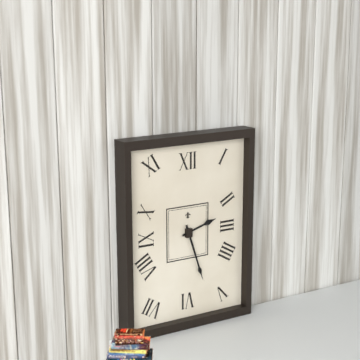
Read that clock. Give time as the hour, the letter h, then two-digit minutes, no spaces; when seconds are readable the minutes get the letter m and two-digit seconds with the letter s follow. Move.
2h27
